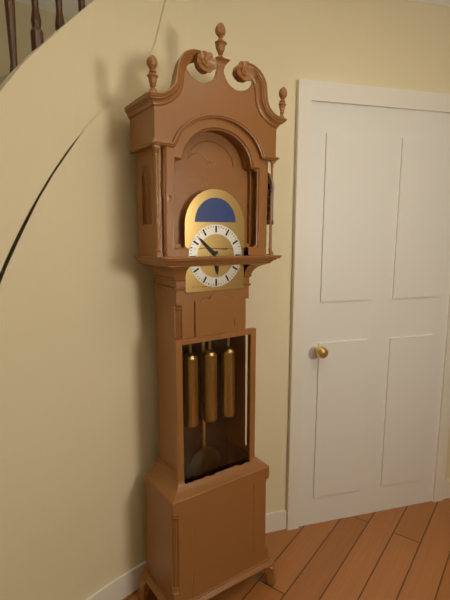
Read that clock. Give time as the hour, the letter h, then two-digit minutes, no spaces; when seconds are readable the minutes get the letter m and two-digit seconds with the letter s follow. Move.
5h52
